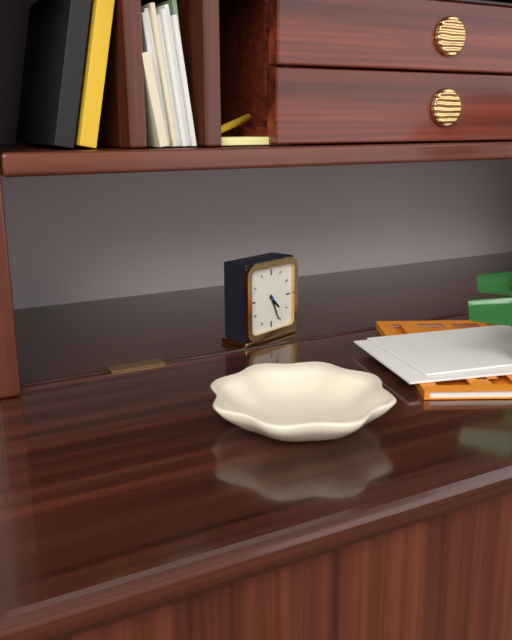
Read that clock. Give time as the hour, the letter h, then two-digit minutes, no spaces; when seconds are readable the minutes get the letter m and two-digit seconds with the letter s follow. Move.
4h26
